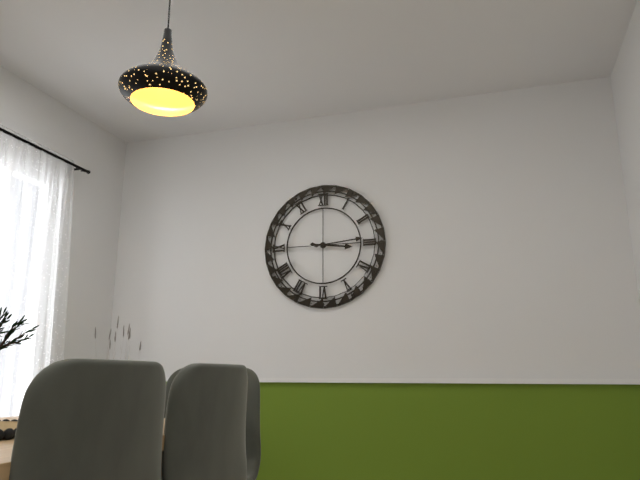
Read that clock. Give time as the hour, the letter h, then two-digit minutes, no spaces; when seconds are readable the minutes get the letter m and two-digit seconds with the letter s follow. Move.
3h14
